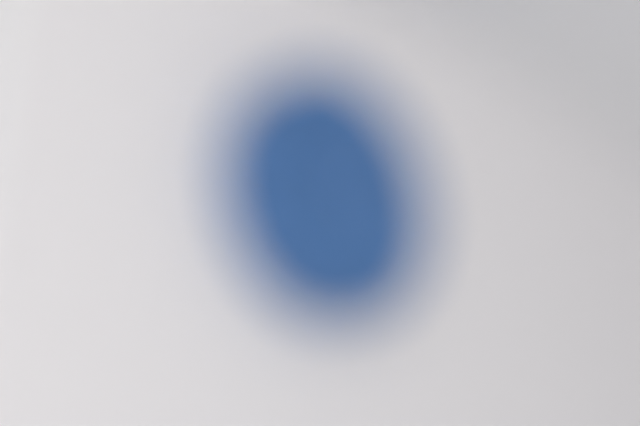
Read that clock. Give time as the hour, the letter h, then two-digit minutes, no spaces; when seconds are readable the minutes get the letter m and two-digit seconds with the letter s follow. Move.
12h46
